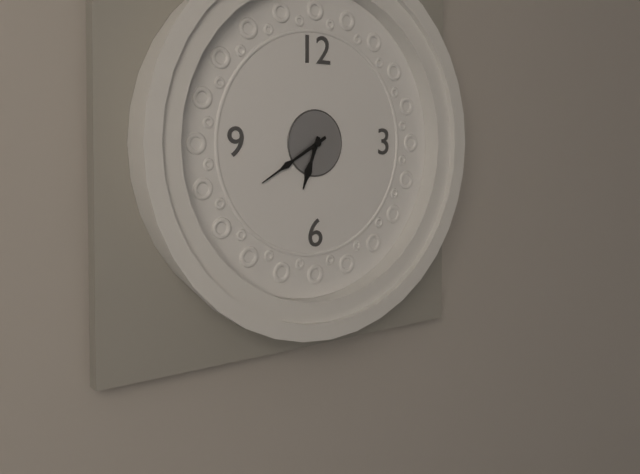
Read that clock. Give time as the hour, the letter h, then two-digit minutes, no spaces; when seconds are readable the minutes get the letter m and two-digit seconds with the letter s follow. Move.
6h40
